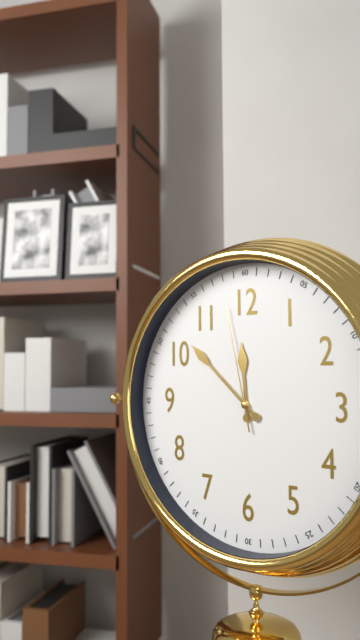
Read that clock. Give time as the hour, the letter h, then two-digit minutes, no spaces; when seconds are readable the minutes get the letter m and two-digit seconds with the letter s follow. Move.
11h52m58s
